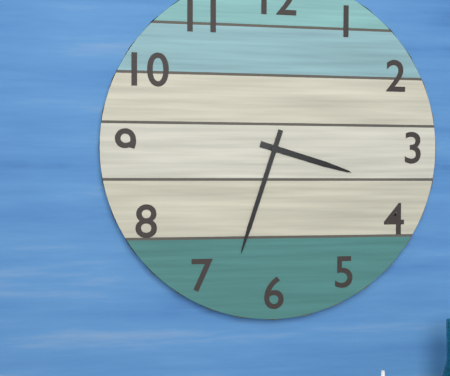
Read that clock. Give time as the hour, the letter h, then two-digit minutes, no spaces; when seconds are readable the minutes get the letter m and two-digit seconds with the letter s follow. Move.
3h33
